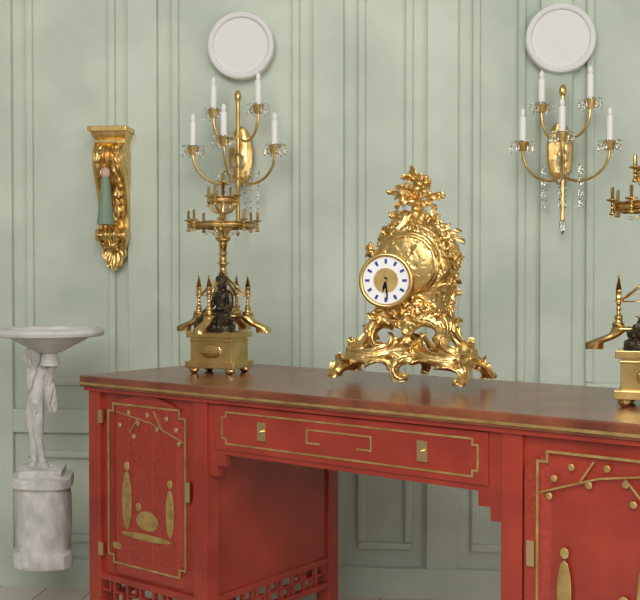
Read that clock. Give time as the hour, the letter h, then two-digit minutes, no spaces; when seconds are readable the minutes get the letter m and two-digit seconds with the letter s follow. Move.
6h29
